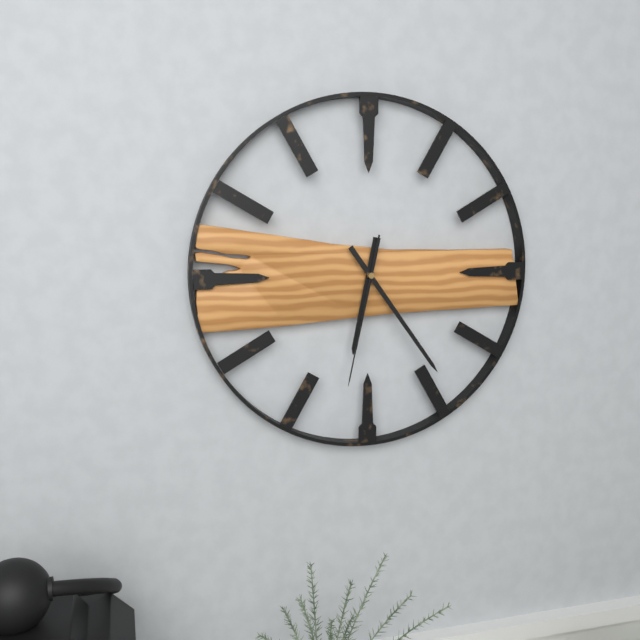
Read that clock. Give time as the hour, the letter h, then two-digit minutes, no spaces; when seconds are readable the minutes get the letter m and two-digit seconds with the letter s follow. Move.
6h24m32s
